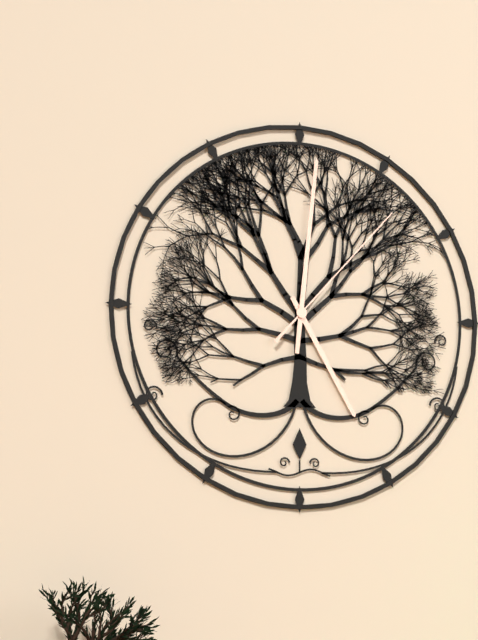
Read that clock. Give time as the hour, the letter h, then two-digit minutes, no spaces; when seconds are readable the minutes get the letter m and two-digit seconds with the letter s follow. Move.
5h01m07s
